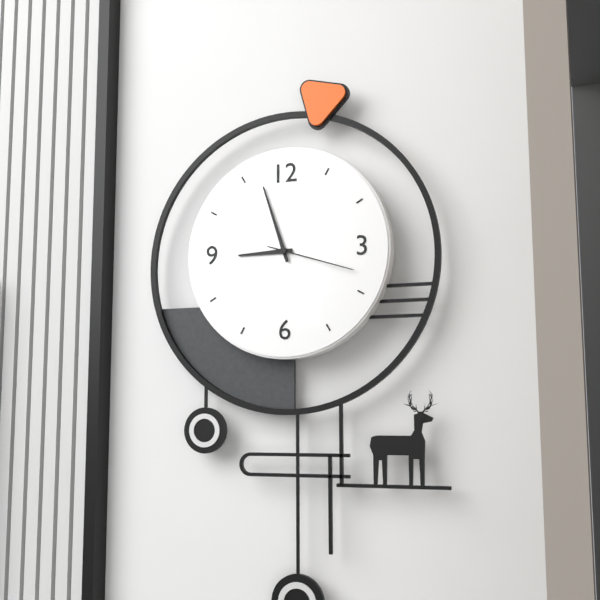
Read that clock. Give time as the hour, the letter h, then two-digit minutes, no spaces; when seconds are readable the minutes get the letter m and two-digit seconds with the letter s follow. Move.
8h57m18s
